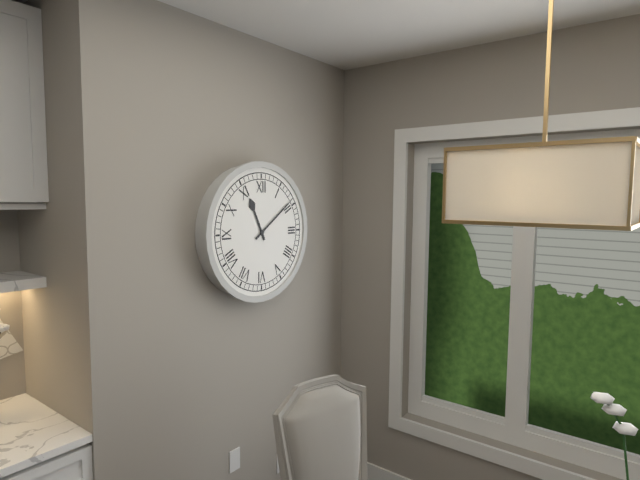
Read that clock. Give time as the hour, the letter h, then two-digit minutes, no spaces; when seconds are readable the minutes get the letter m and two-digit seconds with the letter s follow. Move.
11h09
